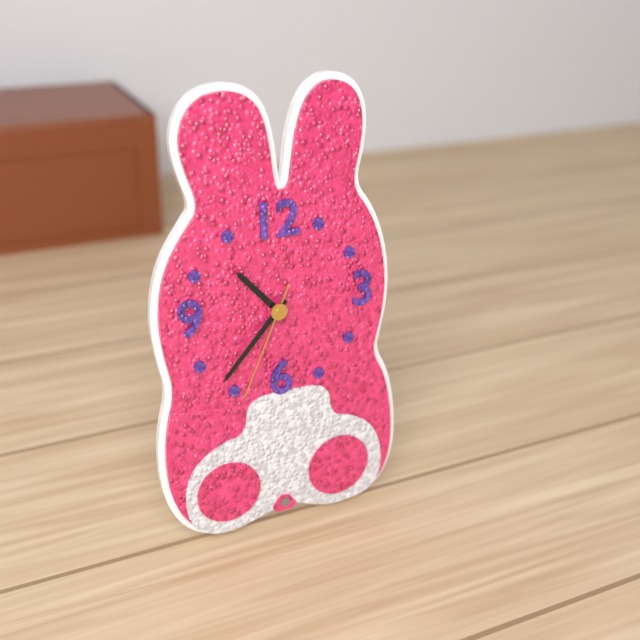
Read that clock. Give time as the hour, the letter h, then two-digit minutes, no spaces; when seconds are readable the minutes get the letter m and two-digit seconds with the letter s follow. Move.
10h37m34s
